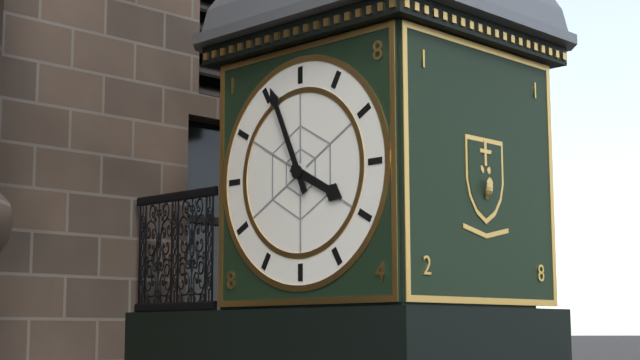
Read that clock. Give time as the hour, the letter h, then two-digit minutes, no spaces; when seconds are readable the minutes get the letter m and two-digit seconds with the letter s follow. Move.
3h56
